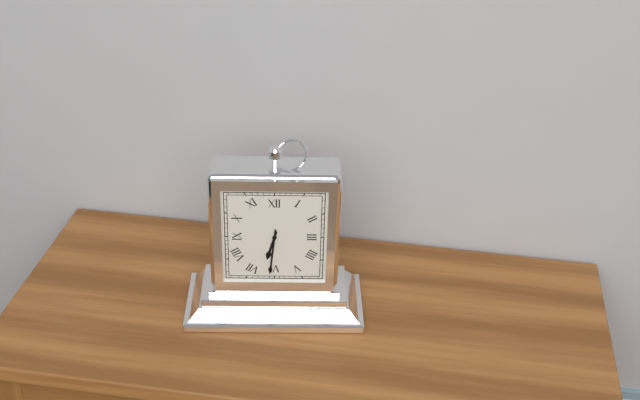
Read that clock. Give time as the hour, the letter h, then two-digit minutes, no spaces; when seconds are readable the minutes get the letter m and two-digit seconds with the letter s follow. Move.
6h31
